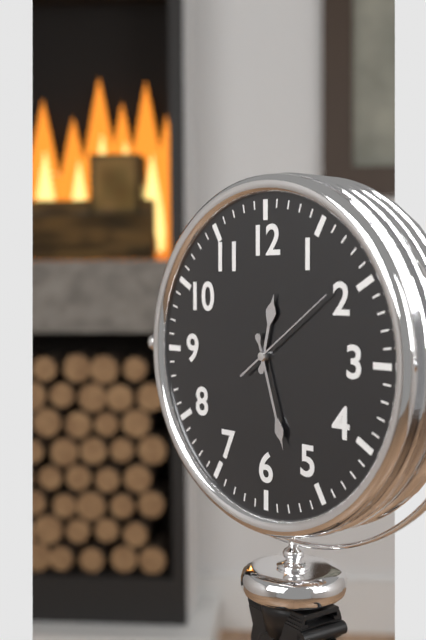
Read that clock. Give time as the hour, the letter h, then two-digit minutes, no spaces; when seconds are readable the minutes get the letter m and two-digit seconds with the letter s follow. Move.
12h27m09s
